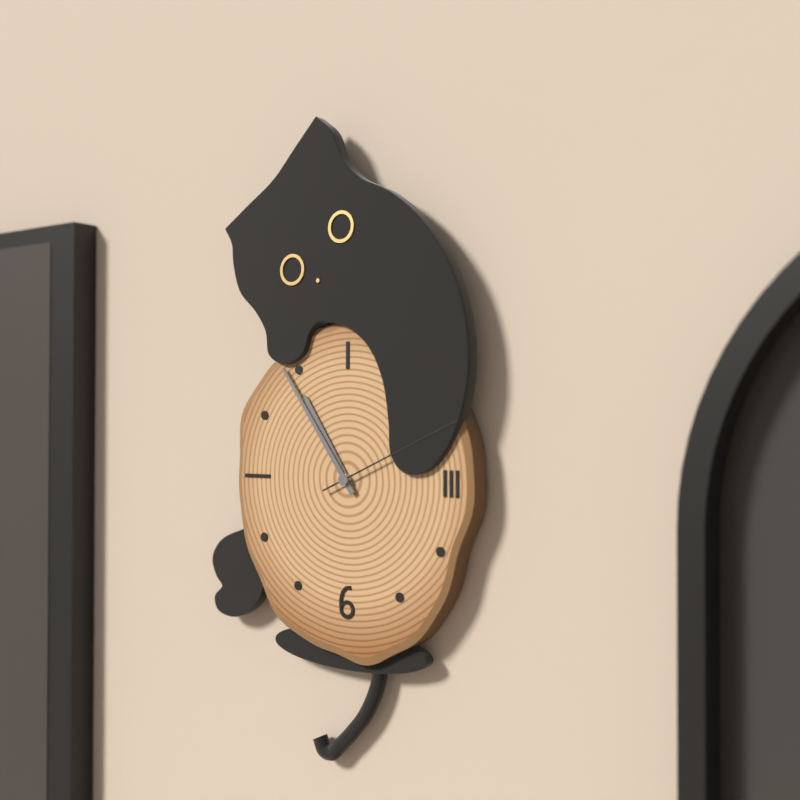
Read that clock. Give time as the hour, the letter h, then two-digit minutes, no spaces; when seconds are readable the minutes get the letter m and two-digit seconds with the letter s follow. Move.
10h54m11s
